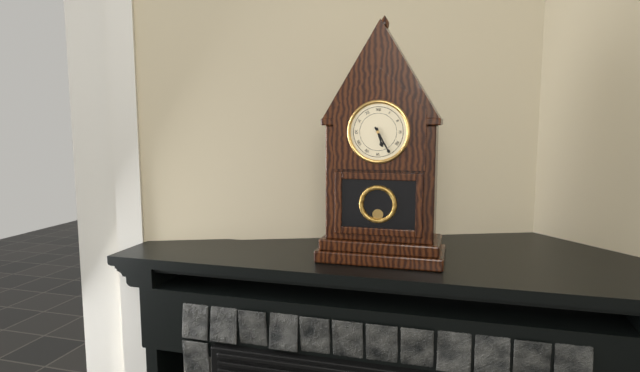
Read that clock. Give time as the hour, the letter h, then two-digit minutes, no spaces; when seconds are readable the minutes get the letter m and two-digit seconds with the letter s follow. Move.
5h25
